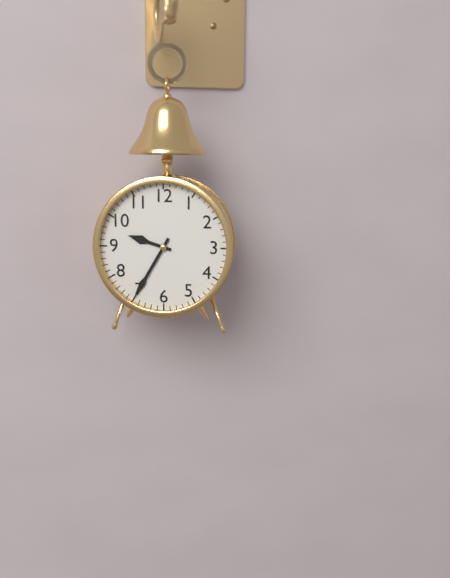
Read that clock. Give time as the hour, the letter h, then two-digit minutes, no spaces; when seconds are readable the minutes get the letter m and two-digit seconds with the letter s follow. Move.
9h35
